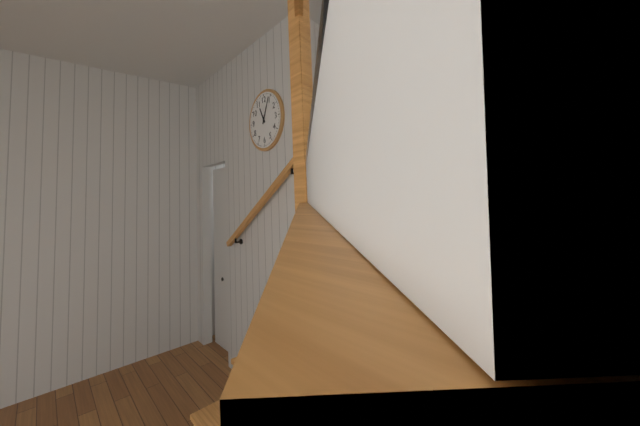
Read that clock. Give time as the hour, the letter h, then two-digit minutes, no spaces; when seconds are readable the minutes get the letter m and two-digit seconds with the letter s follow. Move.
11h04
